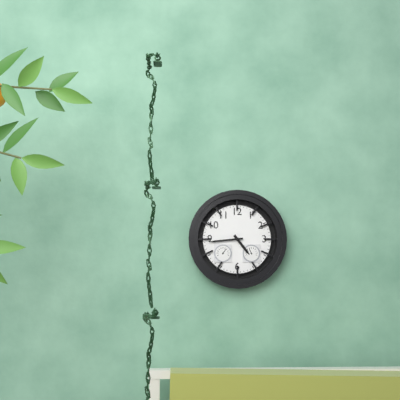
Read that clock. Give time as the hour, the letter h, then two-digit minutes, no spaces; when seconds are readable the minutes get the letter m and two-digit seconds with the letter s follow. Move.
4h44
